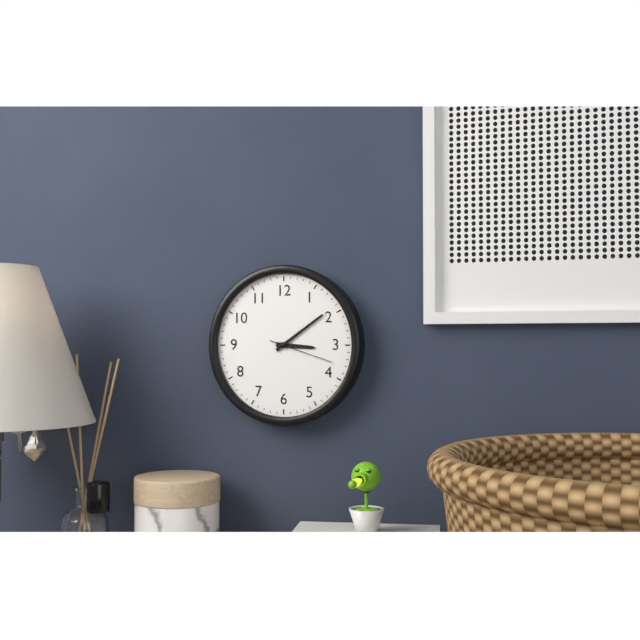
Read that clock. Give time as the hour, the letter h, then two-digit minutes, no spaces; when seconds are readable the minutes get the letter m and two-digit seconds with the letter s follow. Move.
3h09m18s
